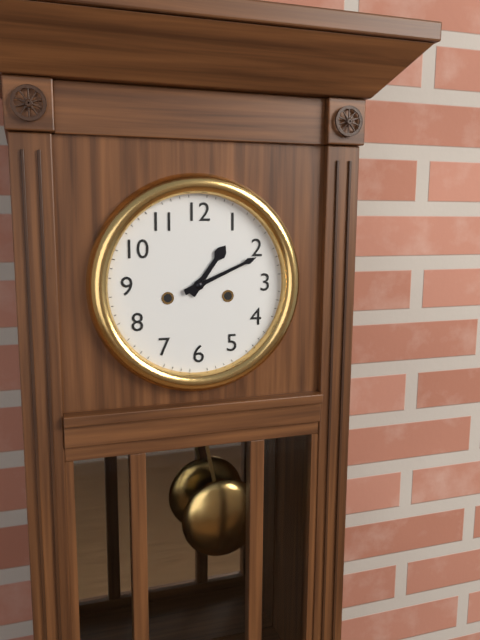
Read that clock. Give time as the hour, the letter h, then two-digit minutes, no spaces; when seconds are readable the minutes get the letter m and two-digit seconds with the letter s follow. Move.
1h11
